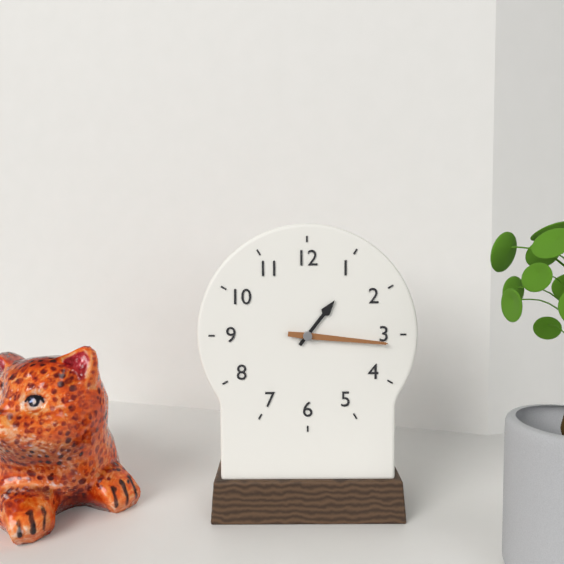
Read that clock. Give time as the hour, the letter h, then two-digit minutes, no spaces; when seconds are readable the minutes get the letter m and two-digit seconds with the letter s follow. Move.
1h16
